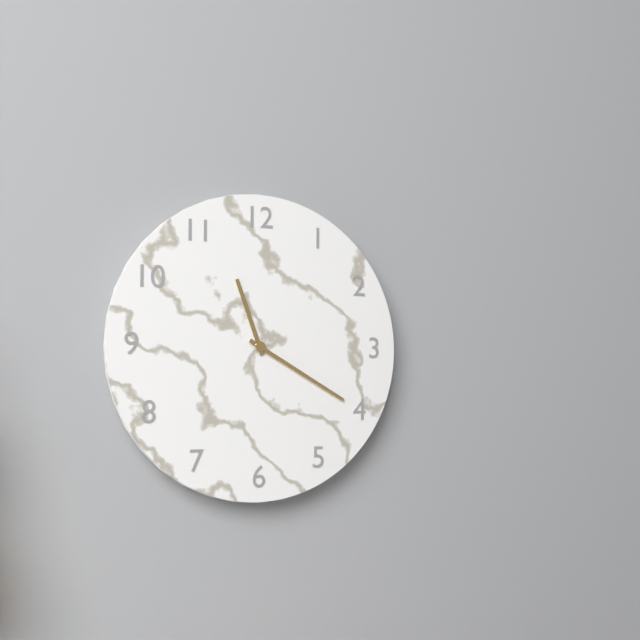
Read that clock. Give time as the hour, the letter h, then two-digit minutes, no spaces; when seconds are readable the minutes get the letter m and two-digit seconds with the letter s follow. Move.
11h20
